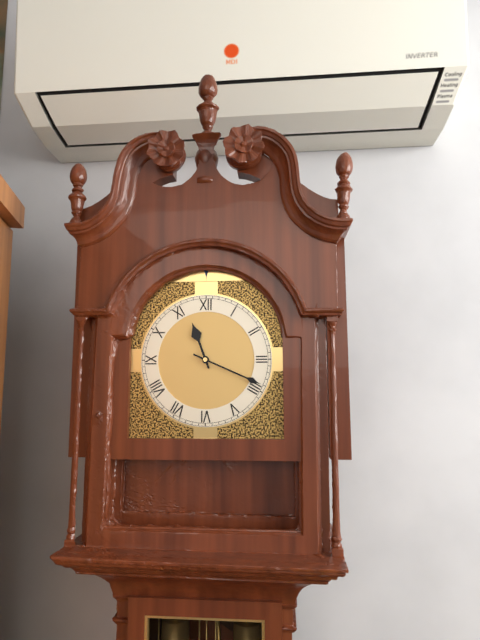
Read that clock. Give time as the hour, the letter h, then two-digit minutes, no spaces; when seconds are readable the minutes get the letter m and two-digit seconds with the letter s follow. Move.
11h19
